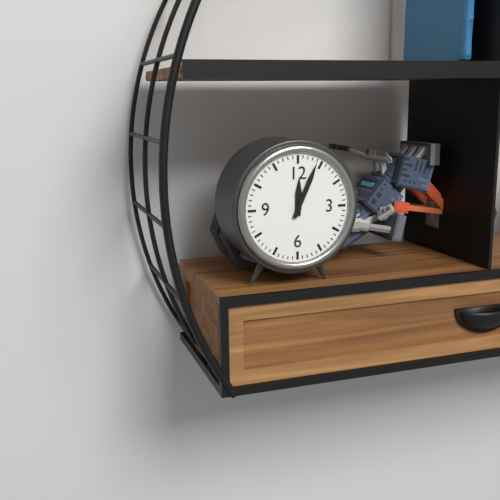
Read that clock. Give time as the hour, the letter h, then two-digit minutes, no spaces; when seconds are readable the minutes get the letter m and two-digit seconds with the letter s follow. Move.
12h04
